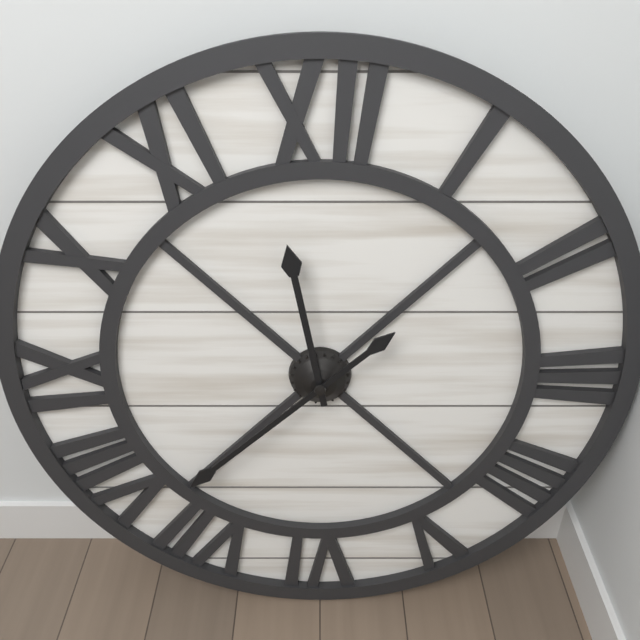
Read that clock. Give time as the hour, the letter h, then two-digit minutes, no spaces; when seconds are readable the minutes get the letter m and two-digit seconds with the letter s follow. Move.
11h38
